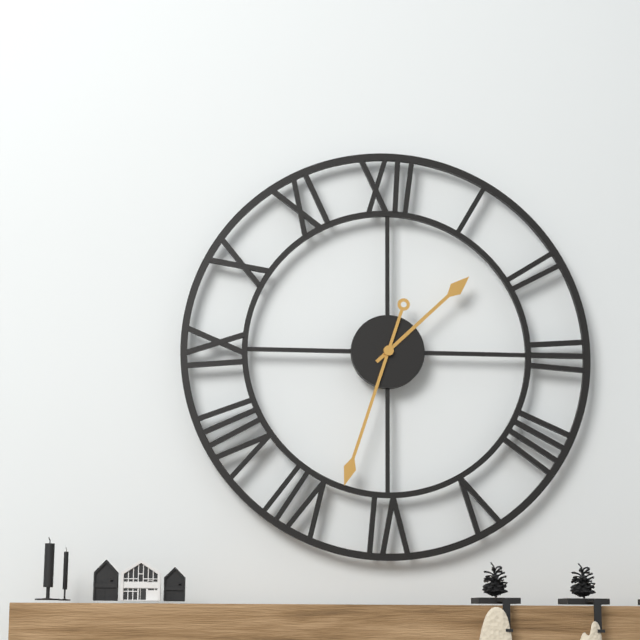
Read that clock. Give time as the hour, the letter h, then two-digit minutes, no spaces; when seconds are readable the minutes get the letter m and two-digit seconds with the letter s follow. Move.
1h33
